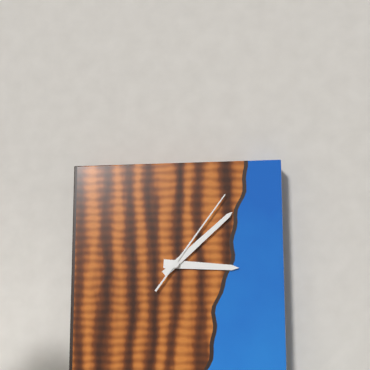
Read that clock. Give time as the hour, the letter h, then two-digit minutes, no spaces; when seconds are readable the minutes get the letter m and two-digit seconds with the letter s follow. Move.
3h08m06s
